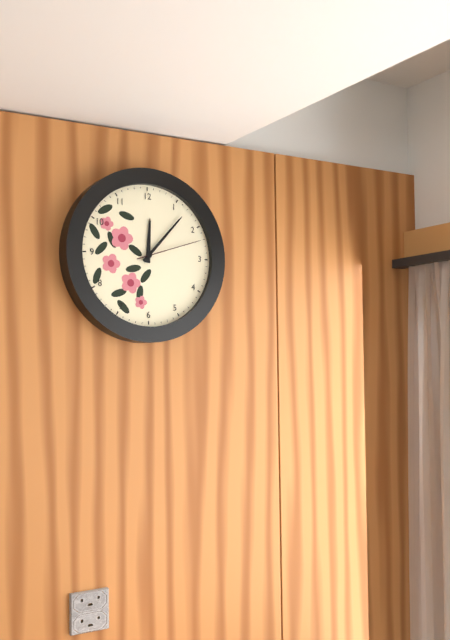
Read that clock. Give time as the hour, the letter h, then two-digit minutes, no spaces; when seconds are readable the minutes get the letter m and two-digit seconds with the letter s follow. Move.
12h07m12s
